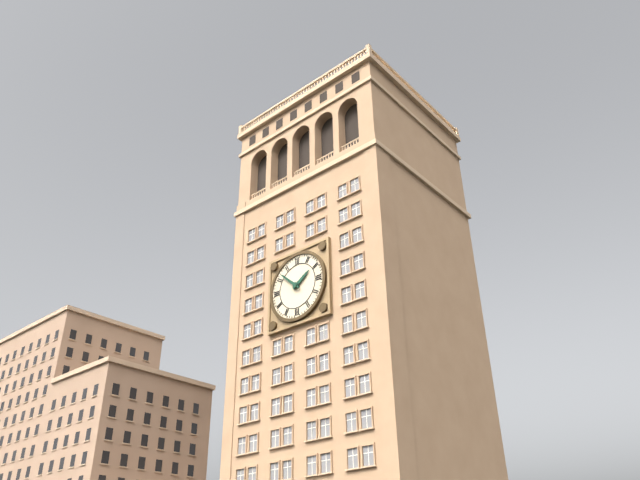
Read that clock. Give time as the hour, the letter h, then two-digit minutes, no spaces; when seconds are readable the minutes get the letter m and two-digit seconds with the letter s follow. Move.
1h52
